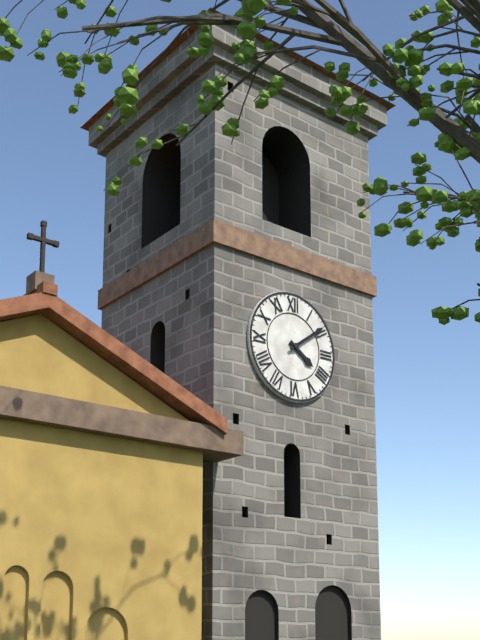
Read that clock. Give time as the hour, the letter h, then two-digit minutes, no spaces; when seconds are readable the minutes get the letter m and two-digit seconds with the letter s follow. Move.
4h09
